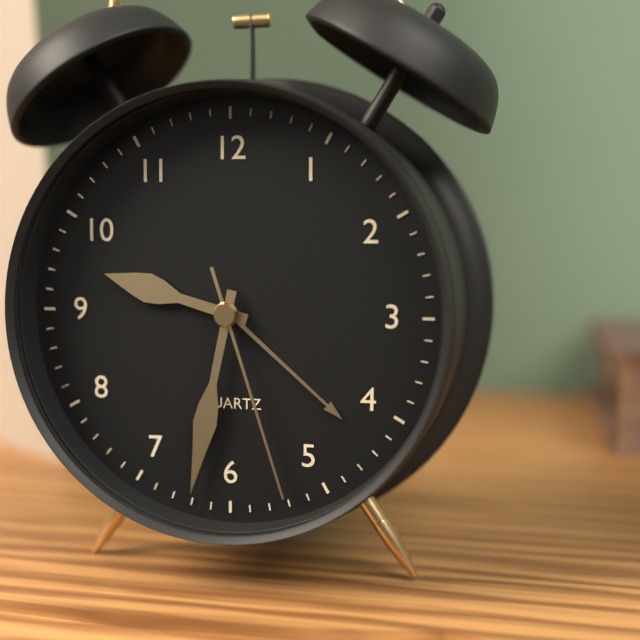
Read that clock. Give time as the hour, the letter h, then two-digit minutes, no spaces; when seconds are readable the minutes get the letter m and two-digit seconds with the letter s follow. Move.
9h32m27s
